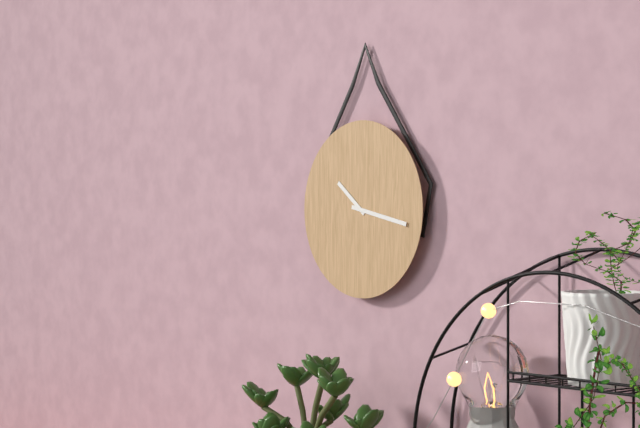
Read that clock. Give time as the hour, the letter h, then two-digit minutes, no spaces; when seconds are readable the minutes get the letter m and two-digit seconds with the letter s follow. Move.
10h17
